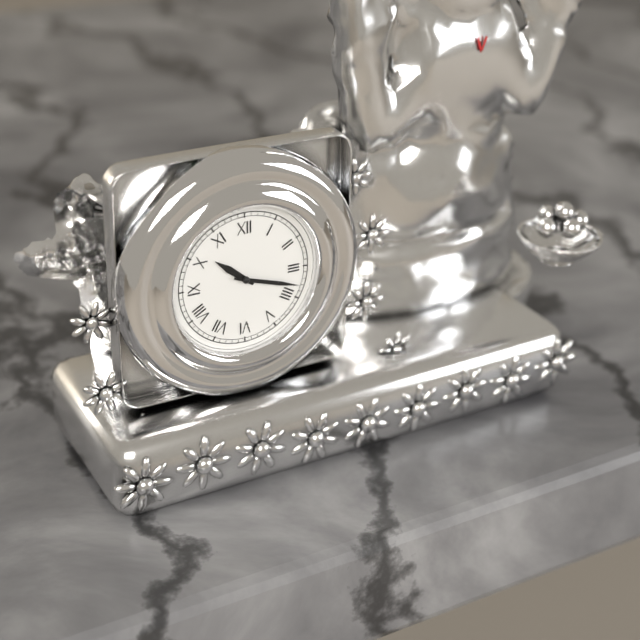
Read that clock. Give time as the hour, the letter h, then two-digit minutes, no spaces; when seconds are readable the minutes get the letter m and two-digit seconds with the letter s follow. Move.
10h18
